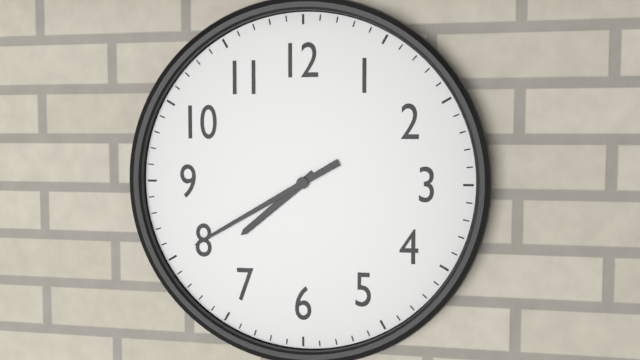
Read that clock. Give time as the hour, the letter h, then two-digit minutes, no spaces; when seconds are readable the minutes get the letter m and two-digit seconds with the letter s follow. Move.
7h40
